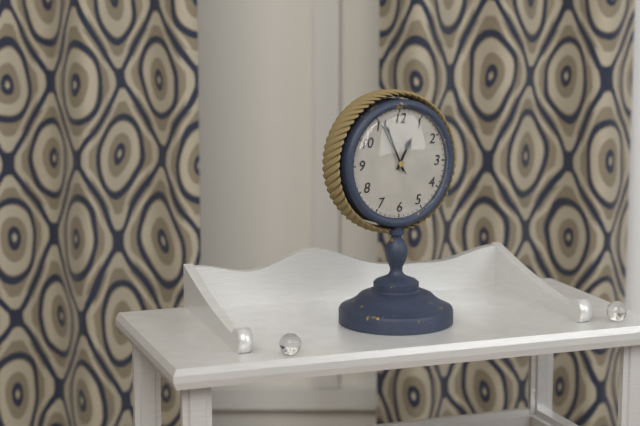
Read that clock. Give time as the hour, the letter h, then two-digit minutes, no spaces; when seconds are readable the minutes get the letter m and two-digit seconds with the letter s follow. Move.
12h56m55s
